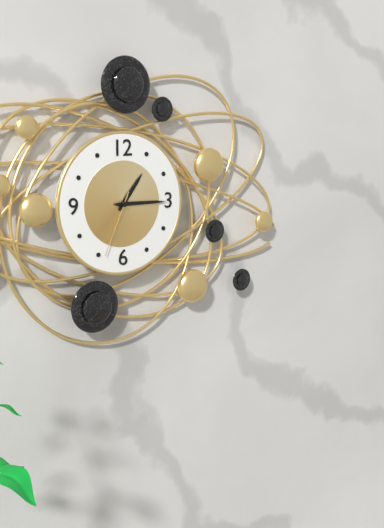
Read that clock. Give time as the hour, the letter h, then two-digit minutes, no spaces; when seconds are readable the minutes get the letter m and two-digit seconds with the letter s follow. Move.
1h15m34s
